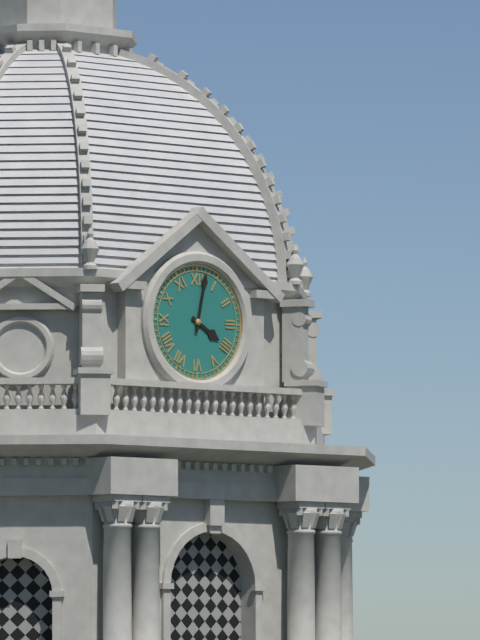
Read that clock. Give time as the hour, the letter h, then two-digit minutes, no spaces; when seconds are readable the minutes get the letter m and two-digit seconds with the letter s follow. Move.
4h02
